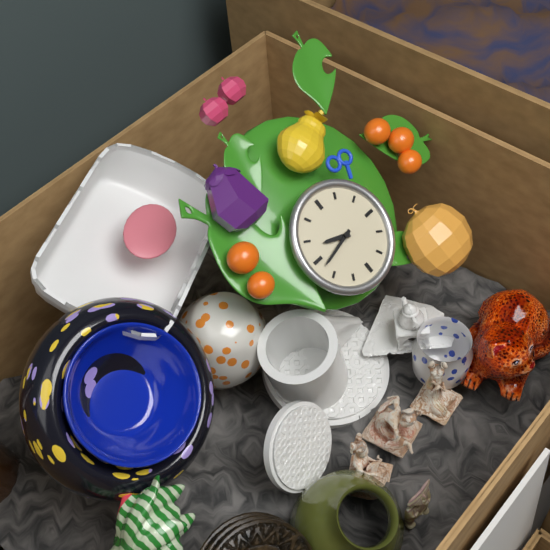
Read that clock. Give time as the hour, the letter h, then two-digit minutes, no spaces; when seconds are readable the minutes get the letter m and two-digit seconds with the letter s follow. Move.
9h43
